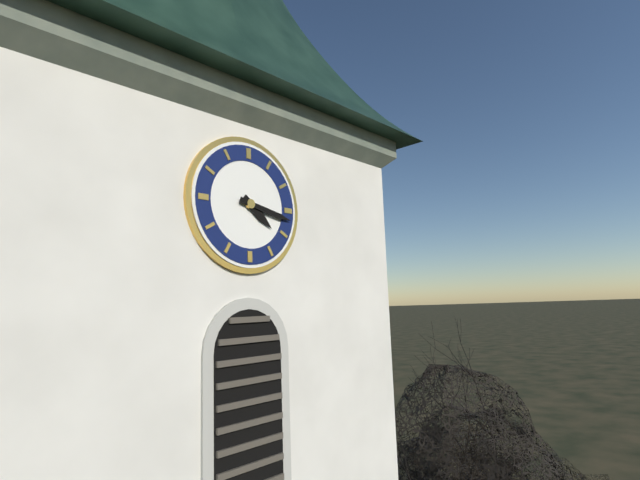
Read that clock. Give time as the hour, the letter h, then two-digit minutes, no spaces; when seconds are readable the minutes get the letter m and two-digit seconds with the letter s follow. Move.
4h17
